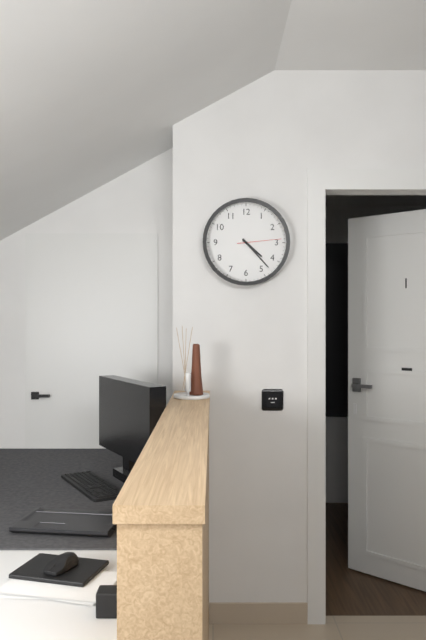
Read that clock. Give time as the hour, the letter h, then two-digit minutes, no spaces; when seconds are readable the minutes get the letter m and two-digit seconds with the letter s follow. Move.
4h23
